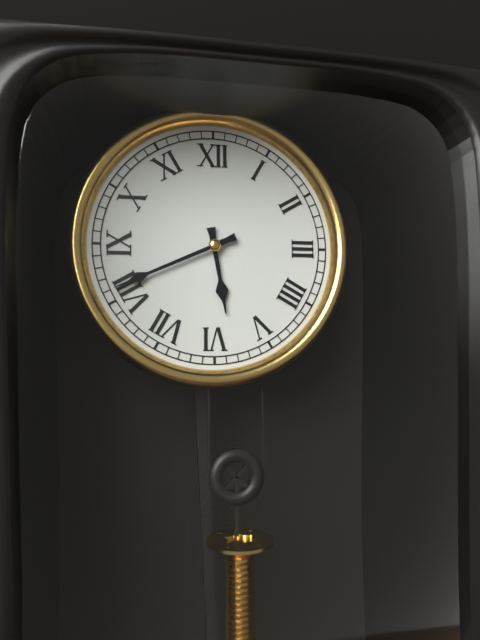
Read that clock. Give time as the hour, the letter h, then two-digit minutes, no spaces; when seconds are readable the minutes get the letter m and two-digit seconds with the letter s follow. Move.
5h41
